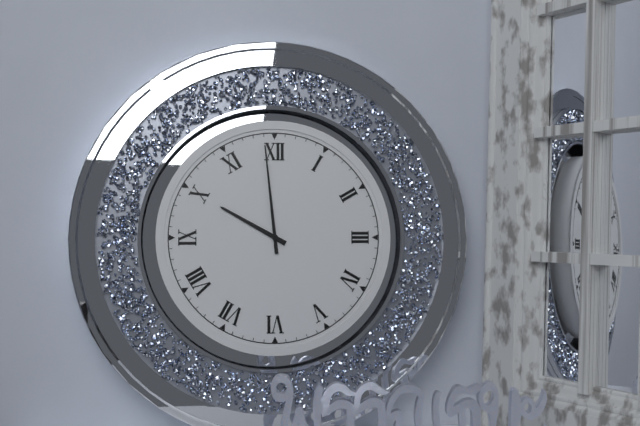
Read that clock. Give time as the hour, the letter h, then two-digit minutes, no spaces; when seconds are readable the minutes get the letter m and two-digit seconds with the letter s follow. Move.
9h59
